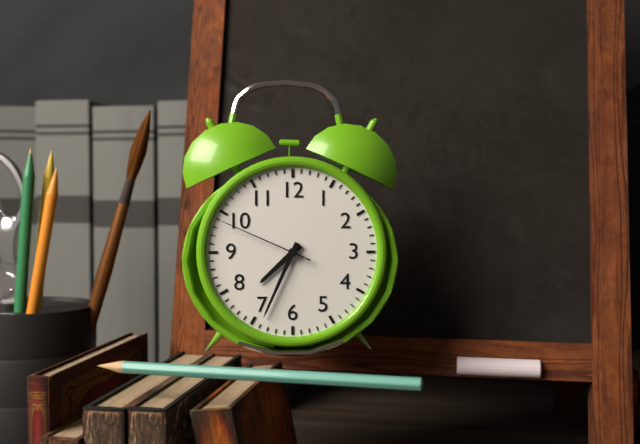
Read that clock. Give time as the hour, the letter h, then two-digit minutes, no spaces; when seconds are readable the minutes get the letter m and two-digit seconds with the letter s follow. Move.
7h34m49s
